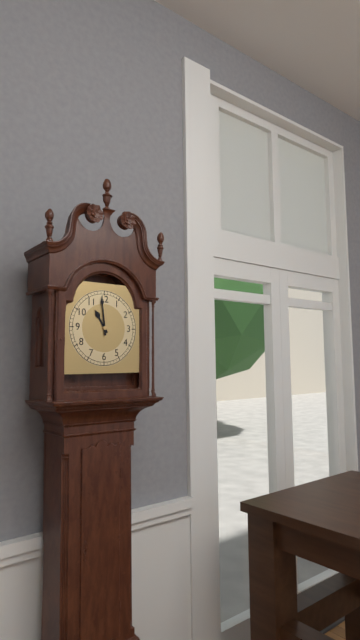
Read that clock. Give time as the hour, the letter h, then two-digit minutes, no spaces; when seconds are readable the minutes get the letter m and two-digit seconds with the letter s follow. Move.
10h59
